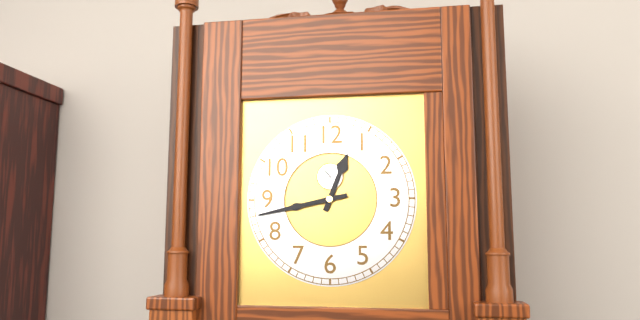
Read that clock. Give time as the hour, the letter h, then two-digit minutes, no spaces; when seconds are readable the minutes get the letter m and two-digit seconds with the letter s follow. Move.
12h43
